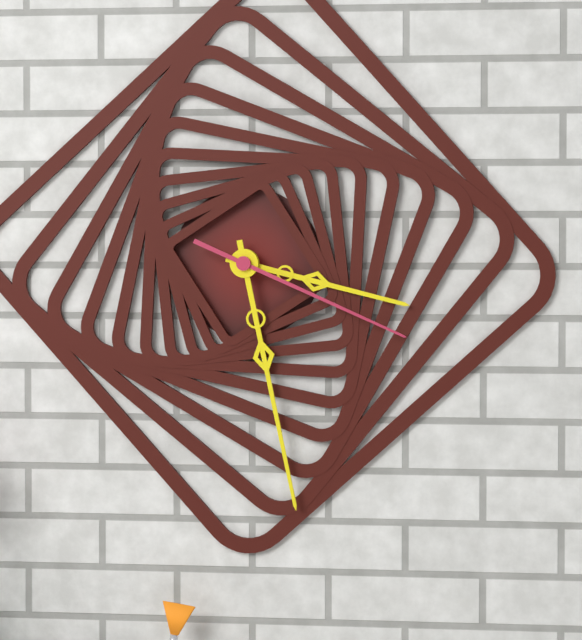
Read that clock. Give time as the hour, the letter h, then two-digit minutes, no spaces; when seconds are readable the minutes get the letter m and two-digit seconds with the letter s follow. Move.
3h28m19s
